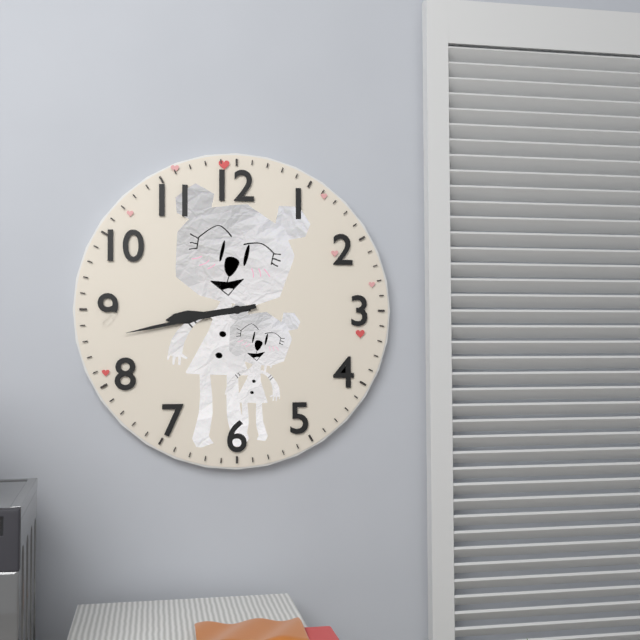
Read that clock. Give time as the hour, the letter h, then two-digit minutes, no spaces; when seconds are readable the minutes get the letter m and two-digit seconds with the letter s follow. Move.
8h43
